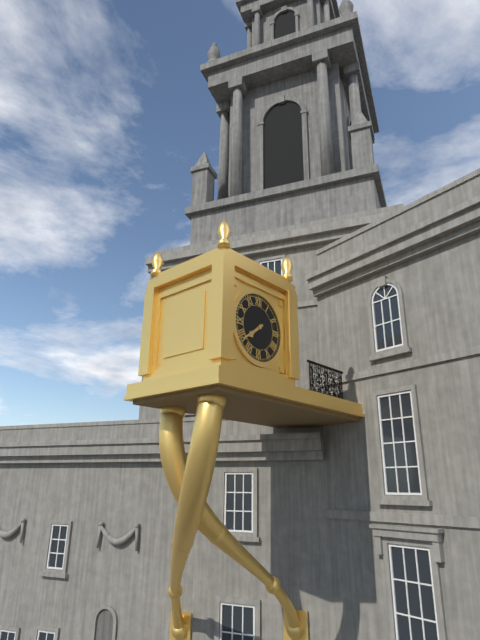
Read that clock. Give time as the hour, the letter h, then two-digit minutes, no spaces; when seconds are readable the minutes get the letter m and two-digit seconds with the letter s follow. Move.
7h39
